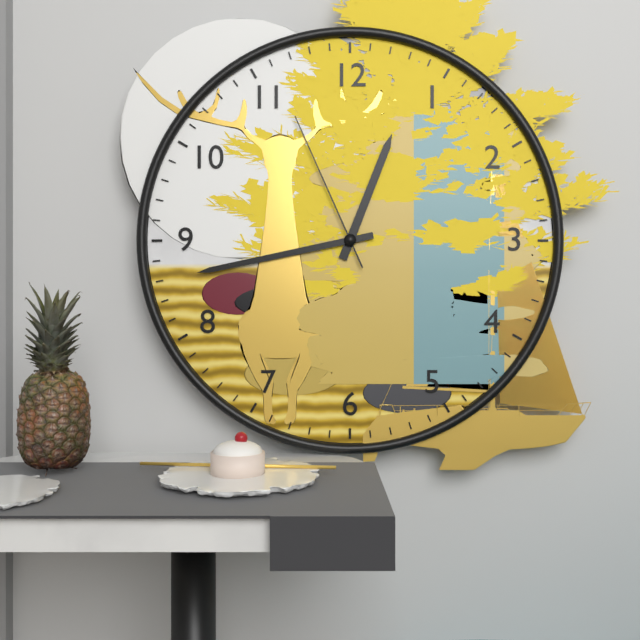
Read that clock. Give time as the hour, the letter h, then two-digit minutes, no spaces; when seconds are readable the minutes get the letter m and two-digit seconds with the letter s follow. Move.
12h43m56s
